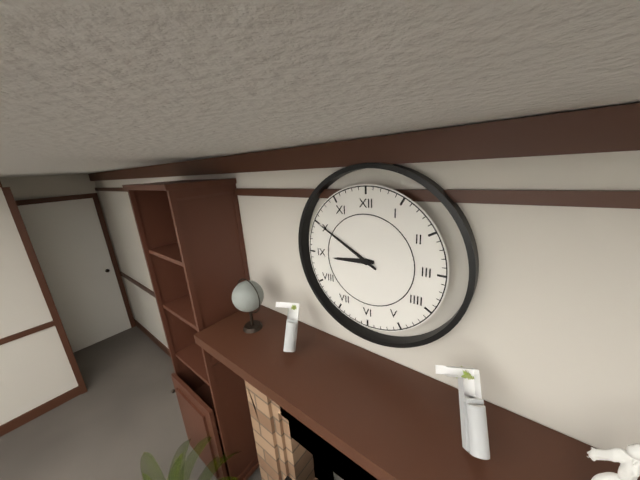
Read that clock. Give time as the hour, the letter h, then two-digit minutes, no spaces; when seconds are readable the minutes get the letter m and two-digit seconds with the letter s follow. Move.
8h50
